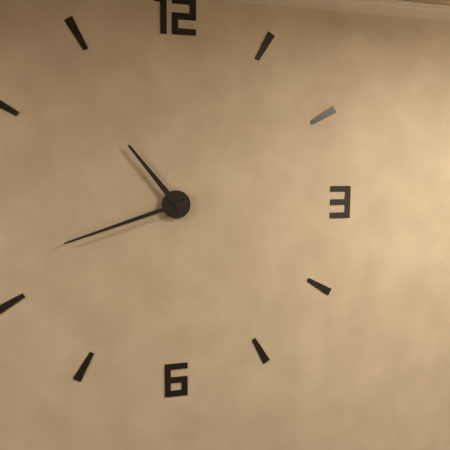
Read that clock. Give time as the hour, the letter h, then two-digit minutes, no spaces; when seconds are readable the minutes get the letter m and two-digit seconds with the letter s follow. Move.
10h42
